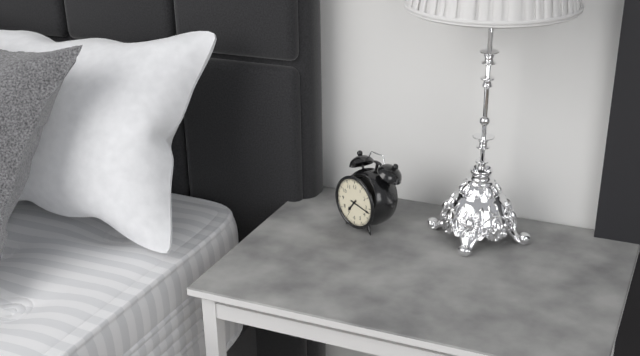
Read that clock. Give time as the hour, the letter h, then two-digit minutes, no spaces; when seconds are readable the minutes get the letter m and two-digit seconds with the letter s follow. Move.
7h17
